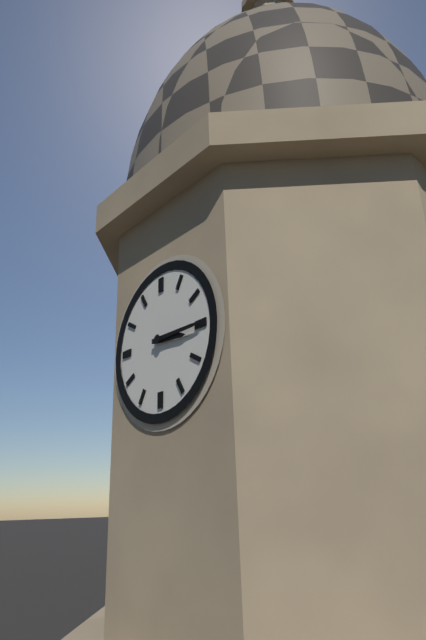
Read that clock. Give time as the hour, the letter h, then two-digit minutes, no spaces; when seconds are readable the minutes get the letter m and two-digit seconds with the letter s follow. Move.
3h15
